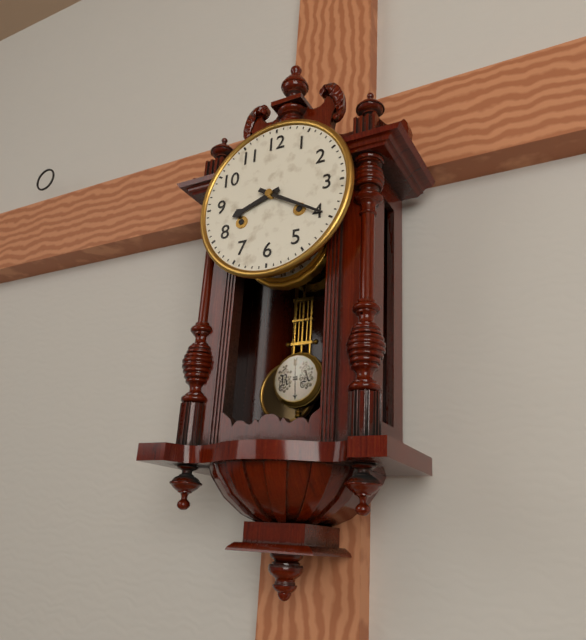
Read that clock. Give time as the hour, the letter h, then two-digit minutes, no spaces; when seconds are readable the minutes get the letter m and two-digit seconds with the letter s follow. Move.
8h20
